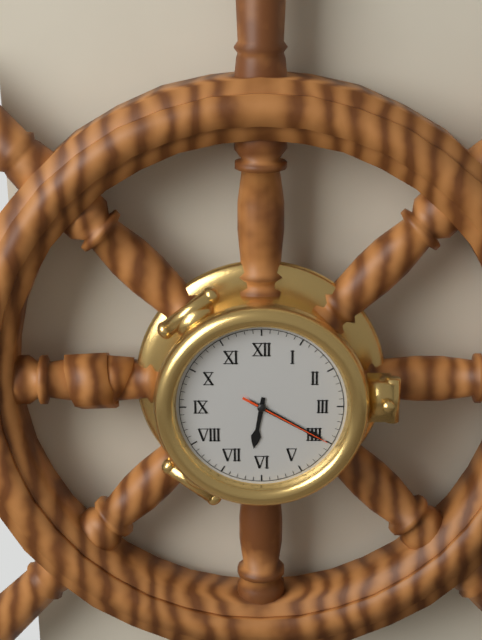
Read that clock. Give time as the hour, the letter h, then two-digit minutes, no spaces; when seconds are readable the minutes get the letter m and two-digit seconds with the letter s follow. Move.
6h20m20s
